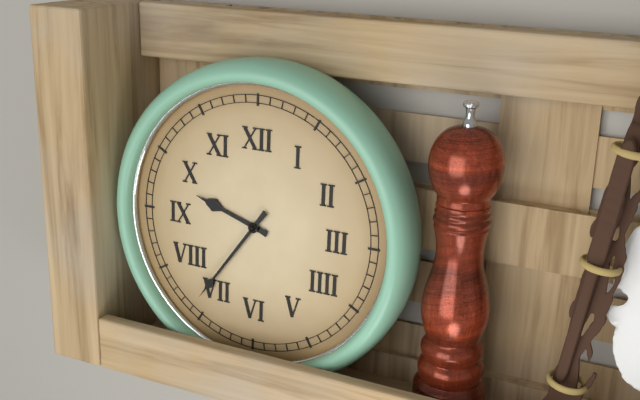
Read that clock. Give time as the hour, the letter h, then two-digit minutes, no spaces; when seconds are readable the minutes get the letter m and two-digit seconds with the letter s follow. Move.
9h36
